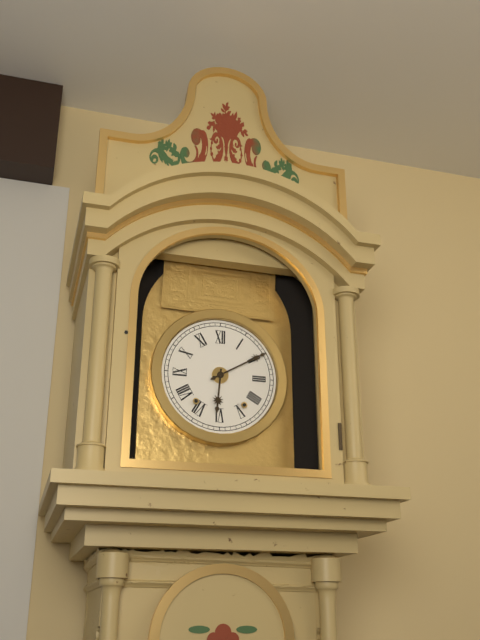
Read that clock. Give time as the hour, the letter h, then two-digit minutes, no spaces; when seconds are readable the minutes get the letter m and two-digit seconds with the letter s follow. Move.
6h10
